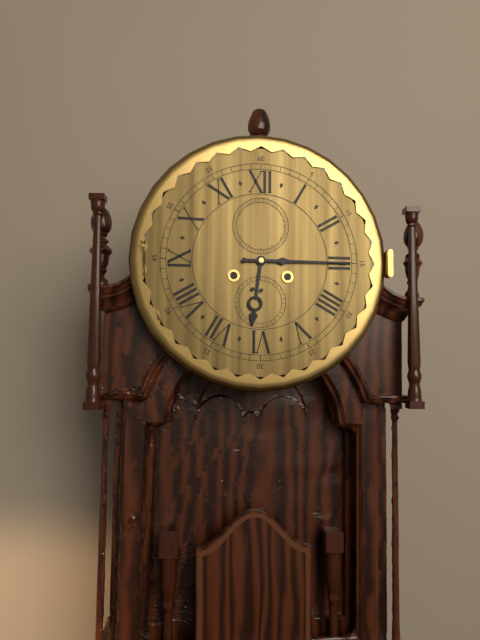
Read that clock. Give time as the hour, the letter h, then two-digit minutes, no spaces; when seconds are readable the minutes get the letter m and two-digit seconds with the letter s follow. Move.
6h15
